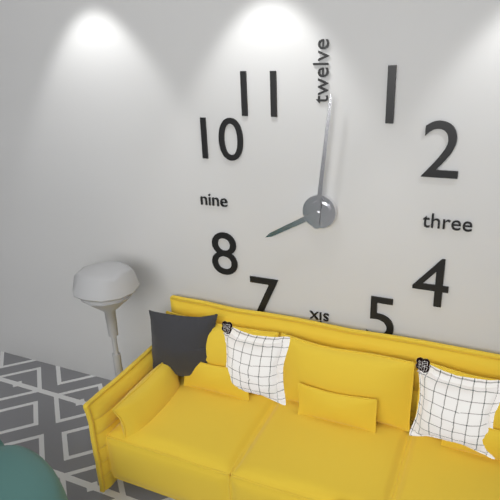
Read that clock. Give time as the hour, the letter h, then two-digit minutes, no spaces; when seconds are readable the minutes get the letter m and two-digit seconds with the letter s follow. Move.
8h01
